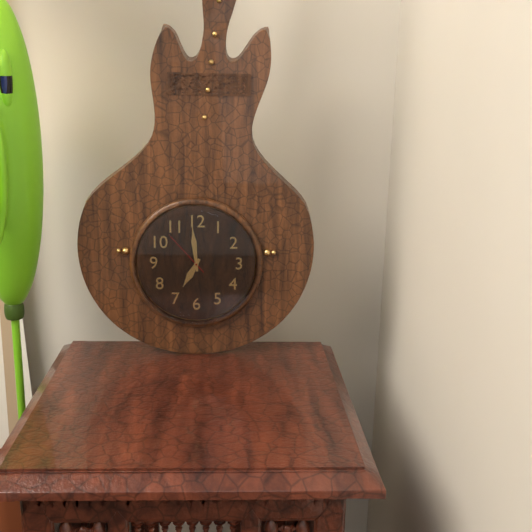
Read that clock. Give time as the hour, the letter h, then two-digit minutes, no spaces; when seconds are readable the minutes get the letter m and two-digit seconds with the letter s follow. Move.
6h59m53s
